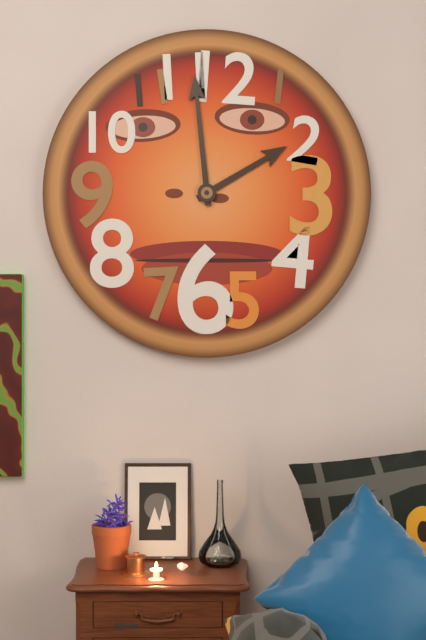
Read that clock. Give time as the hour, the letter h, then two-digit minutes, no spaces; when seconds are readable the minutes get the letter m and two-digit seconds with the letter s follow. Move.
1h59
